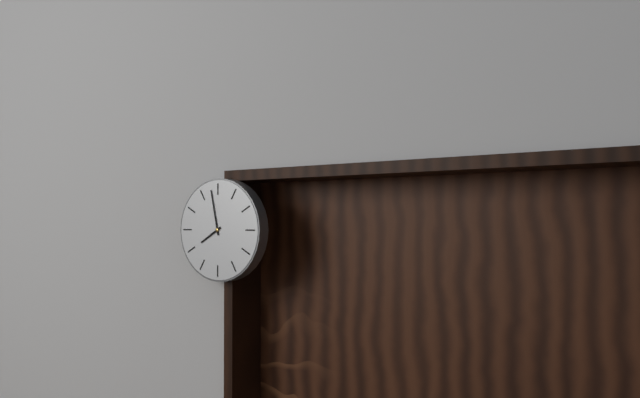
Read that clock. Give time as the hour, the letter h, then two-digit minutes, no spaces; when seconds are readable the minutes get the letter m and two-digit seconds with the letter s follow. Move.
7h58
